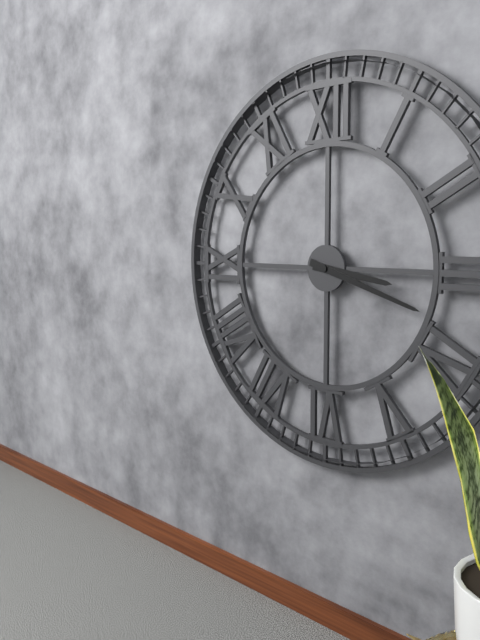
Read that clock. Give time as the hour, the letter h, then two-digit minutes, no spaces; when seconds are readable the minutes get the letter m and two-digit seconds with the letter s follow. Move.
3h18
